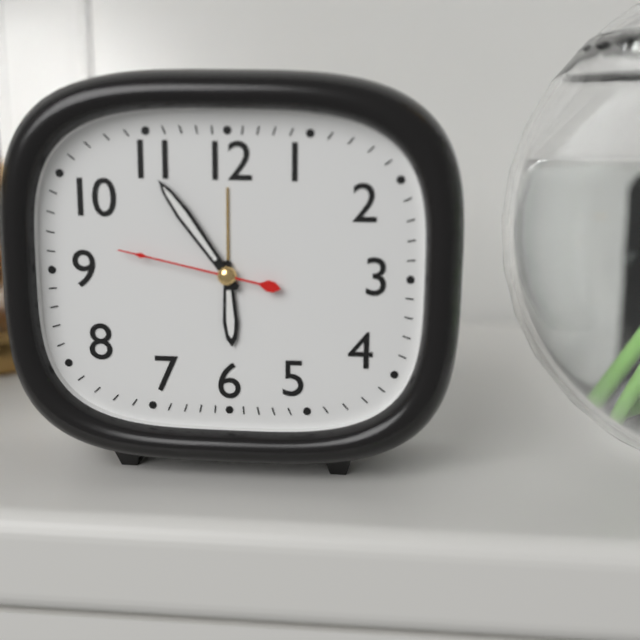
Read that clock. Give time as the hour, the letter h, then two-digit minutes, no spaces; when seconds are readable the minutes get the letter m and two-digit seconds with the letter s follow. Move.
5h54m47s
